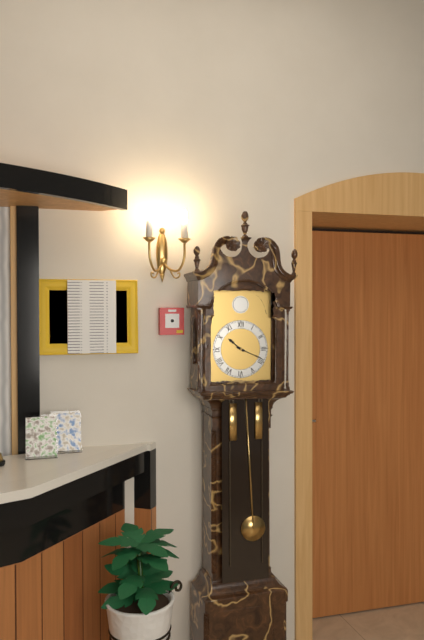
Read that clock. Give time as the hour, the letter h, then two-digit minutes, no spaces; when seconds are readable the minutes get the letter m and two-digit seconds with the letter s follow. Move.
10h19
